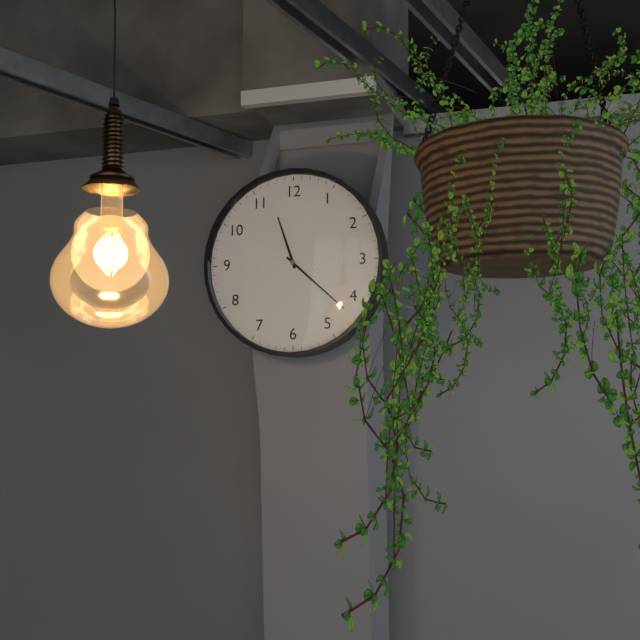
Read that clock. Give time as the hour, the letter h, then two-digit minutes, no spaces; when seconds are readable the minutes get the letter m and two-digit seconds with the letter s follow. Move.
11h22
